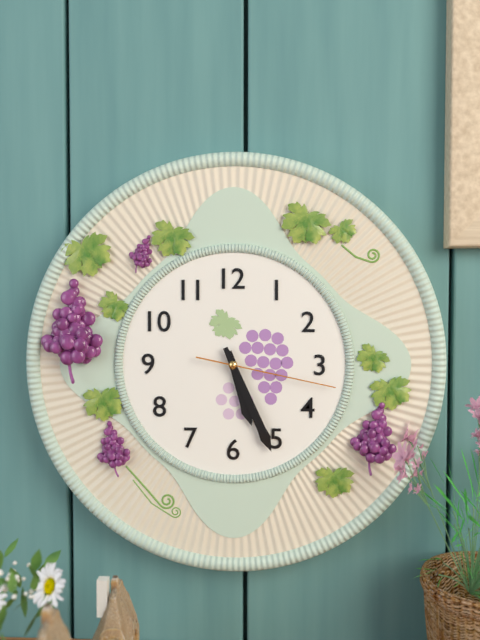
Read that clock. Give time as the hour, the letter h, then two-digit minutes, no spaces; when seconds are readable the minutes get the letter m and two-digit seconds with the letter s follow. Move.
5h26m17s
